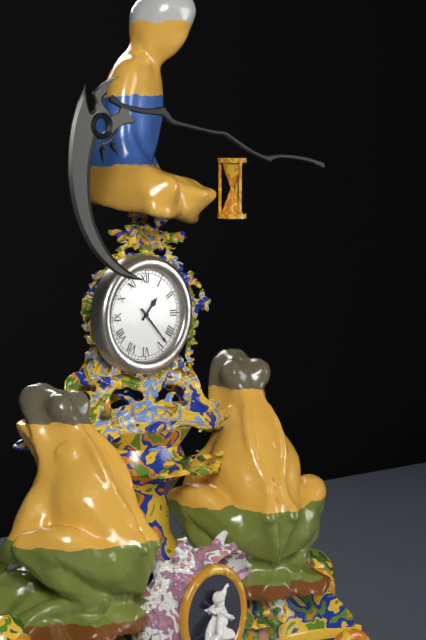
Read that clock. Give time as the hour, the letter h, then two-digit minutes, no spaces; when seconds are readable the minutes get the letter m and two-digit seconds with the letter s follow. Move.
1h23
